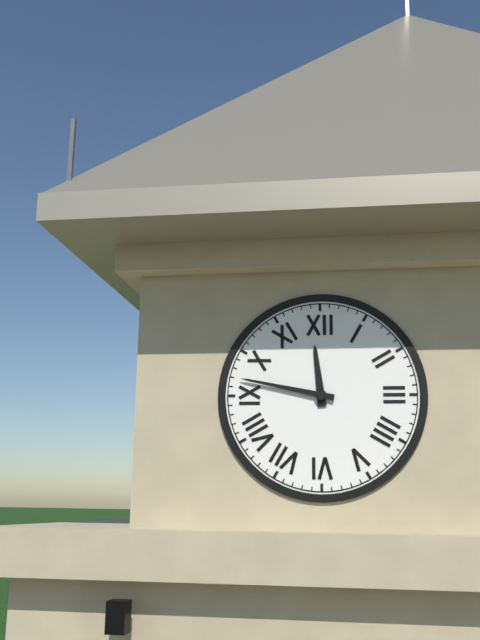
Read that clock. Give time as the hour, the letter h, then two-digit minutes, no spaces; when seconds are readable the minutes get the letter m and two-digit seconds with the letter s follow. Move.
11h47
